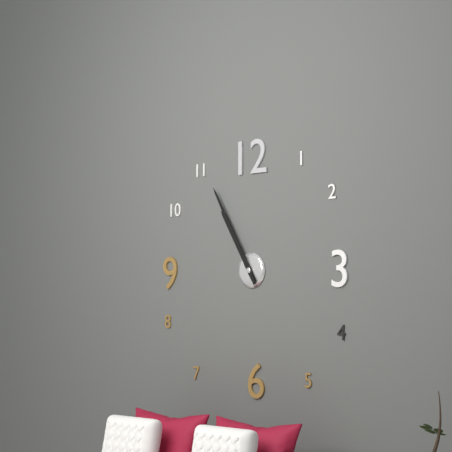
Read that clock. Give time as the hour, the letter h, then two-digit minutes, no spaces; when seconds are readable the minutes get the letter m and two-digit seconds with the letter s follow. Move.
10h55
